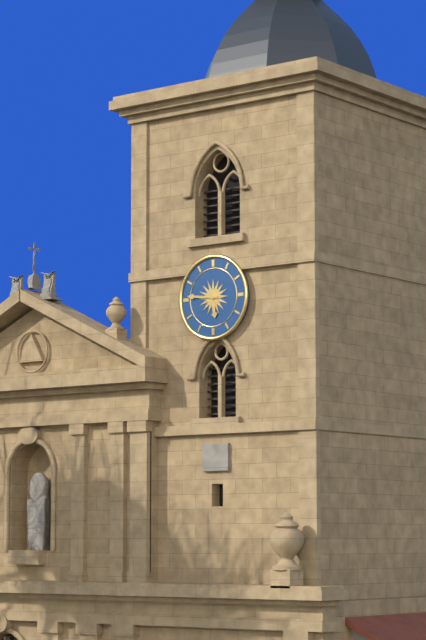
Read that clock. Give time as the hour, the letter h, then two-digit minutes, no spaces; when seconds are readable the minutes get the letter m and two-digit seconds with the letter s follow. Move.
5h46
